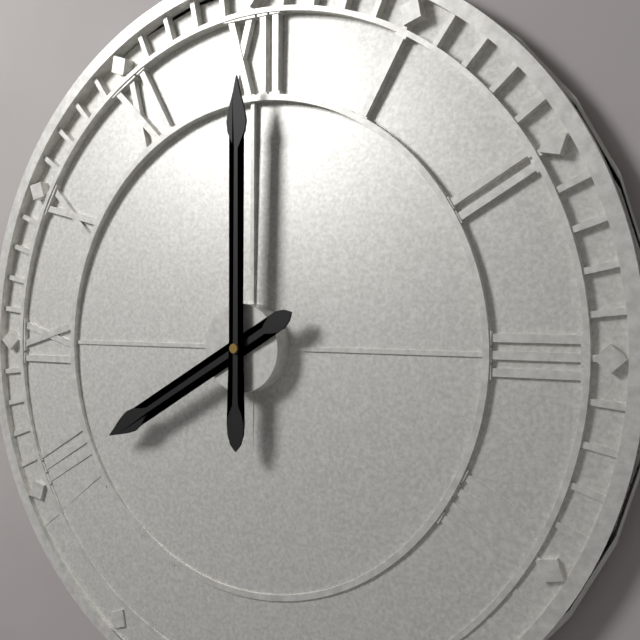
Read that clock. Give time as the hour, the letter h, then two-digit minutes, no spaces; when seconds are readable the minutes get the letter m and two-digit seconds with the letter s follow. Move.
8h00
